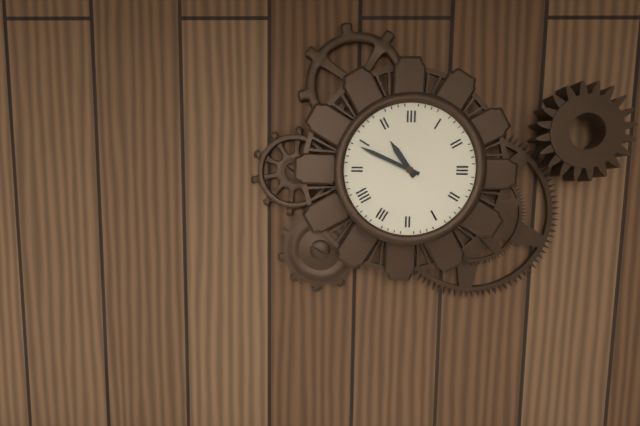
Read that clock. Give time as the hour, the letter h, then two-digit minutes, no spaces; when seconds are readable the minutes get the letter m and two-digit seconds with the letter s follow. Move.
10h49
